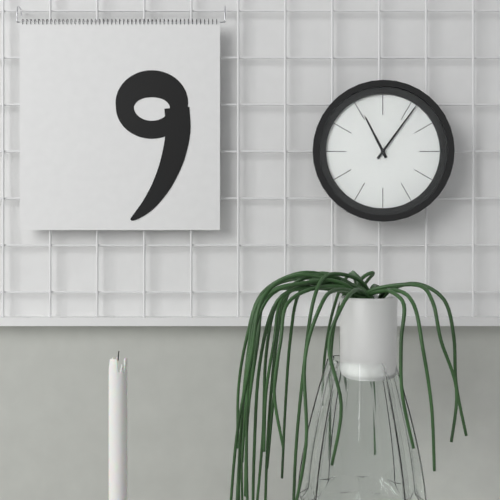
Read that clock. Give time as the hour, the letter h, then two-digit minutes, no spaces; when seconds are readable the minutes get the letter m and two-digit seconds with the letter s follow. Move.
11h06
